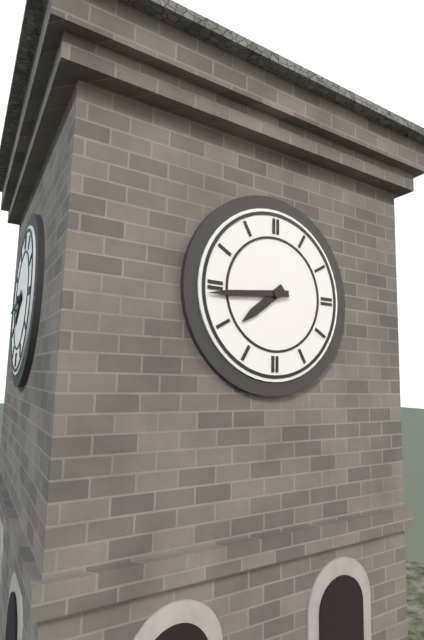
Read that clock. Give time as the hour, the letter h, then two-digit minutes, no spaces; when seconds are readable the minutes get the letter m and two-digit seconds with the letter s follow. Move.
7h44
